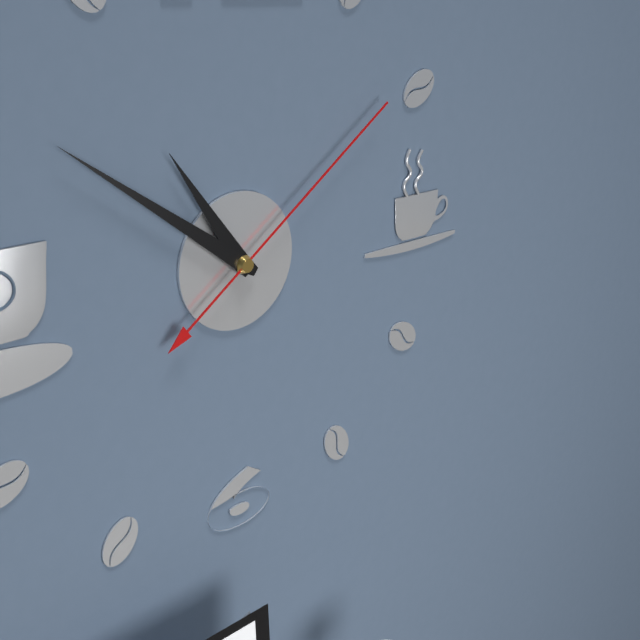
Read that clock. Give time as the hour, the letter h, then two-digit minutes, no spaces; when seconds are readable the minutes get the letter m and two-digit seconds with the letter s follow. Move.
10h51m09s
